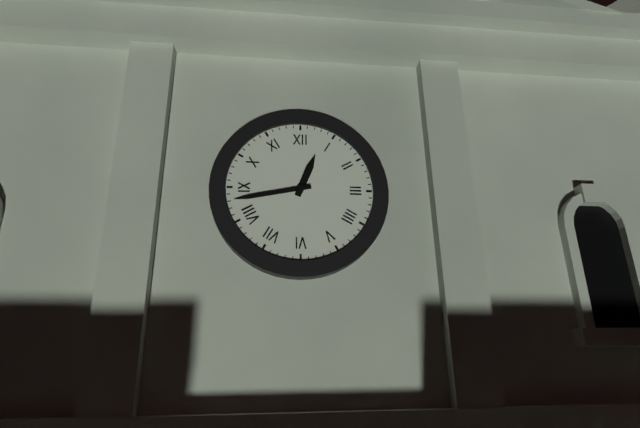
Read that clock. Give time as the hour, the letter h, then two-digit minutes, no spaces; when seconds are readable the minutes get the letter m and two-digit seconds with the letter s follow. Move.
12h43
